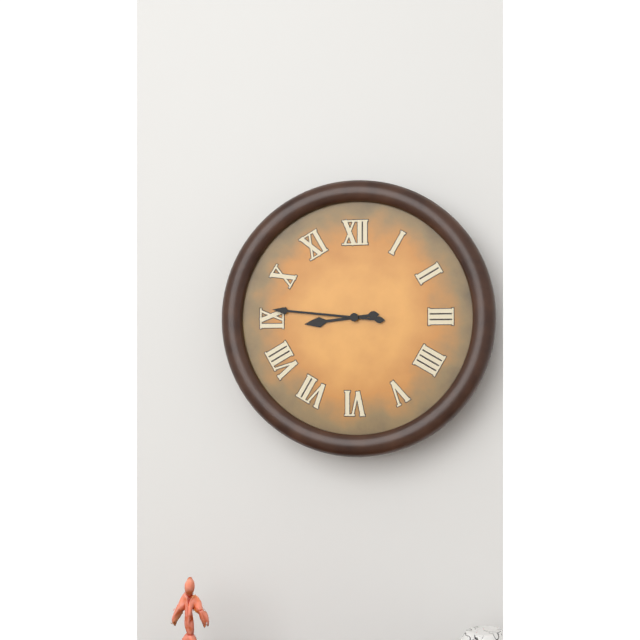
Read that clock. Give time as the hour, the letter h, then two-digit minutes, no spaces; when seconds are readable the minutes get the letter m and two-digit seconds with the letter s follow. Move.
8h46
